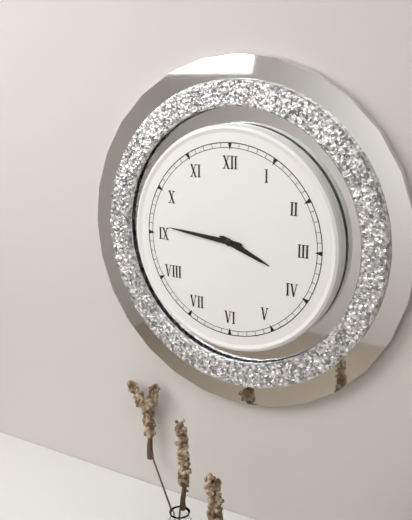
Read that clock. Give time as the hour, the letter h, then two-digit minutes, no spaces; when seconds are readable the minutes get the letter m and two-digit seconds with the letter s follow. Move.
3h46
